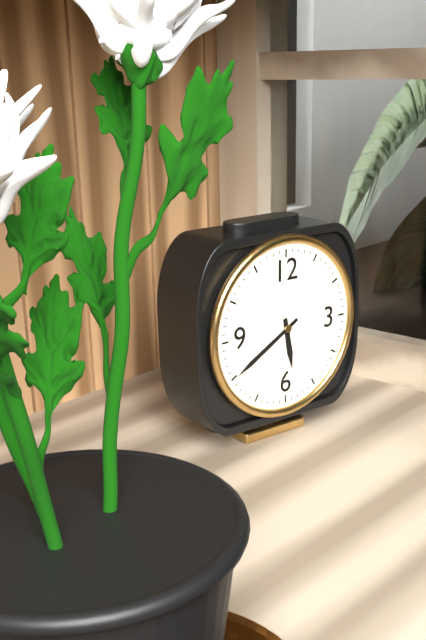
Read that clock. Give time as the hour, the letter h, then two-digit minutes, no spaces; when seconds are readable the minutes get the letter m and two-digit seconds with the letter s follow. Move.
5h40
